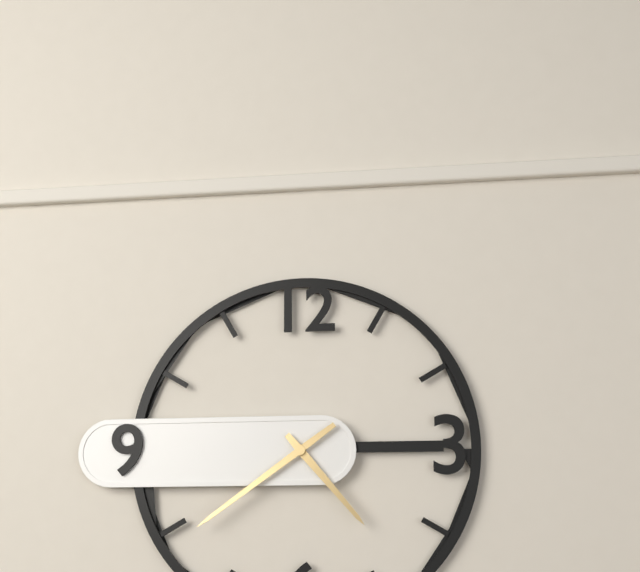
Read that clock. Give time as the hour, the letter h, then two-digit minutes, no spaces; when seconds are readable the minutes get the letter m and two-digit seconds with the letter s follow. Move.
4h39
